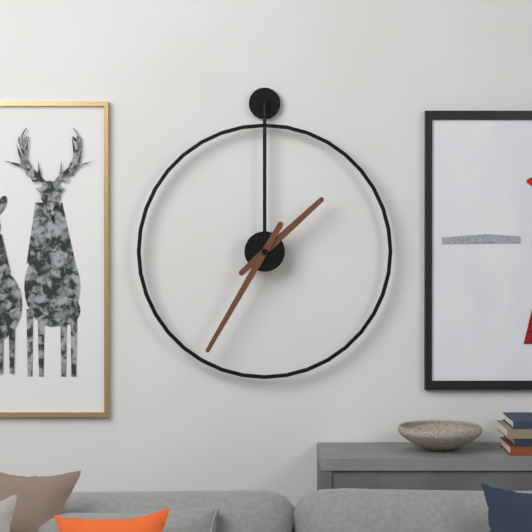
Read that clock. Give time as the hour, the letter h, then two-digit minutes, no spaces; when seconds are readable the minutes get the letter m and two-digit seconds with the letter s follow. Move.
1h35
